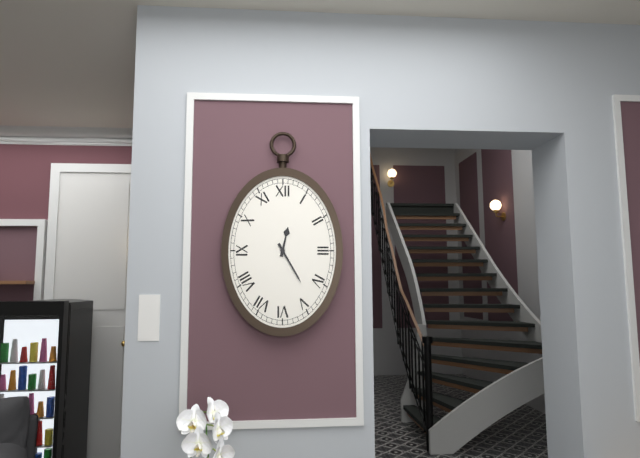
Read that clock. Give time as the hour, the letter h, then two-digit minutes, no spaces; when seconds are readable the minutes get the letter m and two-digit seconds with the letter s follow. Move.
12h25
